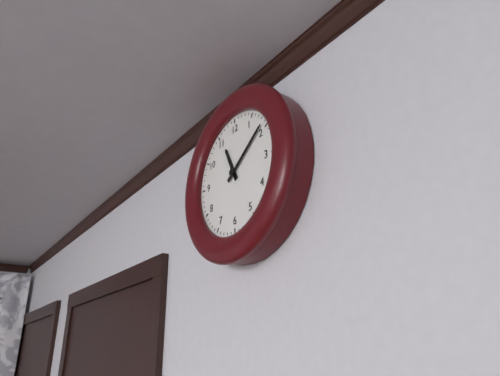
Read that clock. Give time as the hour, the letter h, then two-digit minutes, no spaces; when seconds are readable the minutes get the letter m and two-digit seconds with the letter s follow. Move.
11h09
